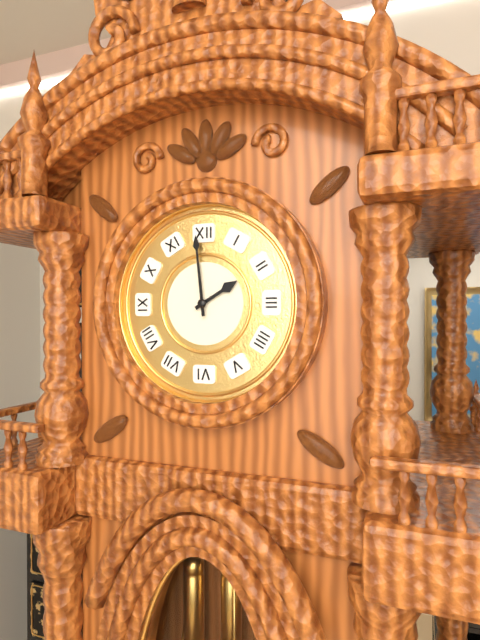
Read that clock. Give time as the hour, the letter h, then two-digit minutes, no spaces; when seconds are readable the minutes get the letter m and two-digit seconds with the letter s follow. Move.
1h59
